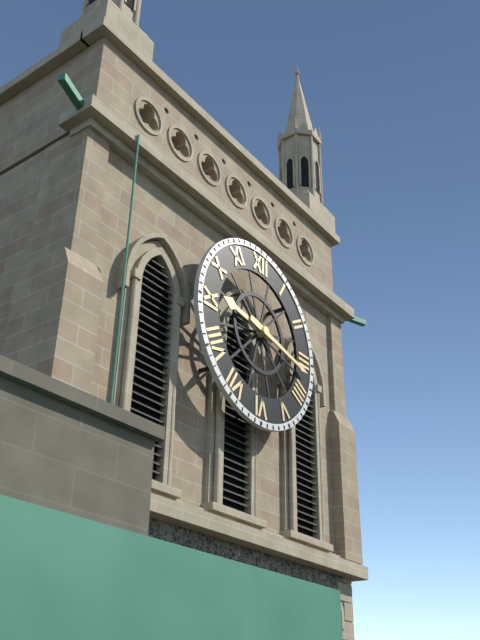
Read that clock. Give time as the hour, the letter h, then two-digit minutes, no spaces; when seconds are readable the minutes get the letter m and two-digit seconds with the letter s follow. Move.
9h17
